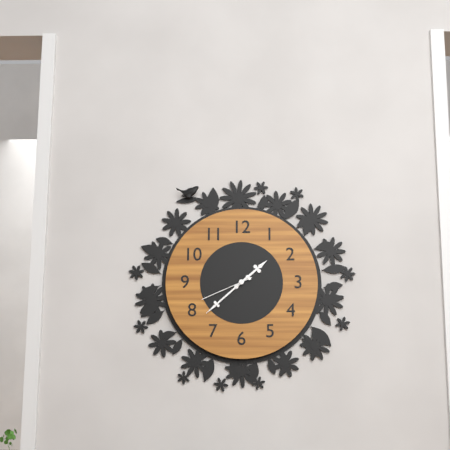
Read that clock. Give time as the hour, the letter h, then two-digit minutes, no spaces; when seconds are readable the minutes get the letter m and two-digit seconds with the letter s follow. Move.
1h38m41s
